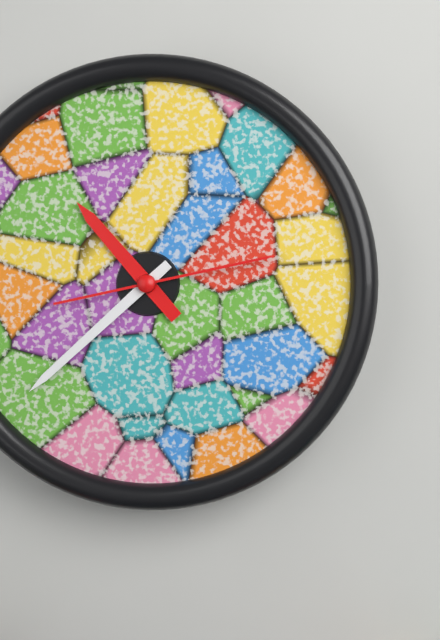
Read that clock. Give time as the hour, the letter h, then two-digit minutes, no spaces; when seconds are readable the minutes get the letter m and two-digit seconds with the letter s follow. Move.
10h38m13s
